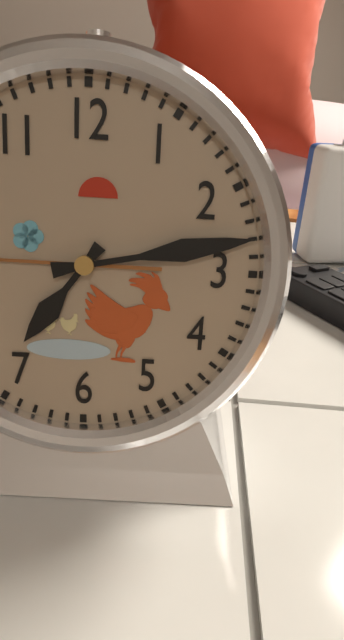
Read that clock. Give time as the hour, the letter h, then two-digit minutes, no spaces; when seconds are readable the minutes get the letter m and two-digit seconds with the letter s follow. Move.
7h13
